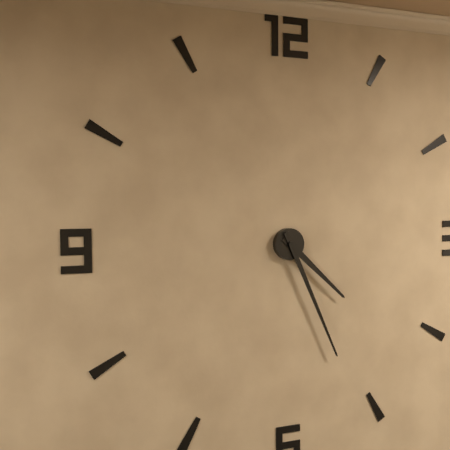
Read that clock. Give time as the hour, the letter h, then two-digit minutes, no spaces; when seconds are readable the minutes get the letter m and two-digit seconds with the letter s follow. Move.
4h26
